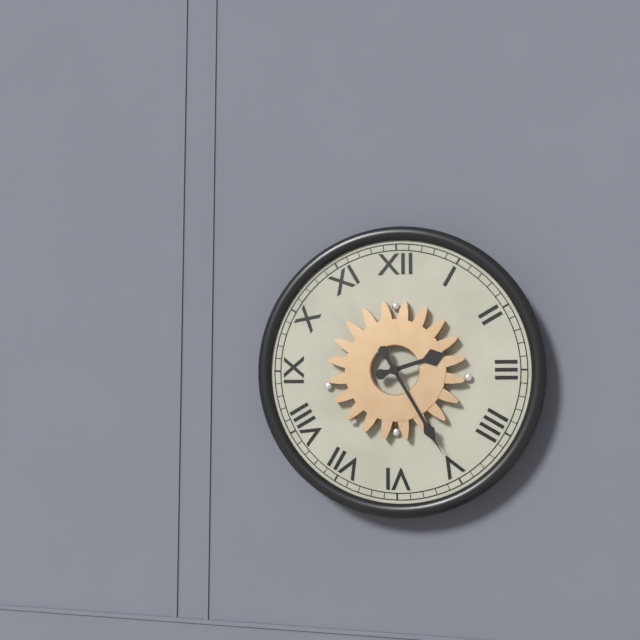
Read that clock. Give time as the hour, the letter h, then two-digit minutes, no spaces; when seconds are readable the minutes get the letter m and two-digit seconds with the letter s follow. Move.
2h25
